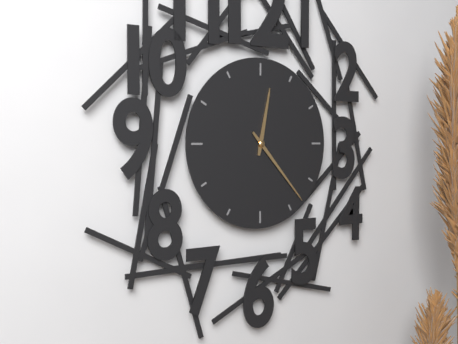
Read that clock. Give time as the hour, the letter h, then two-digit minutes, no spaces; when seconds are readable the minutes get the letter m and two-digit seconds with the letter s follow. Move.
12h23
